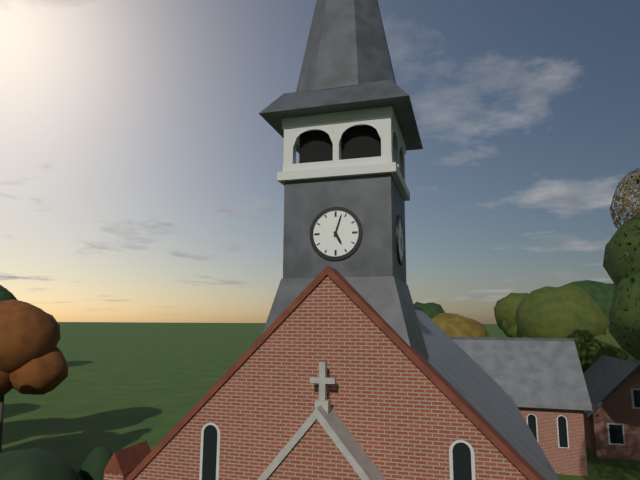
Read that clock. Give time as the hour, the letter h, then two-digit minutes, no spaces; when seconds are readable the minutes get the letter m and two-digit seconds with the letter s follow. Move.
5h03
